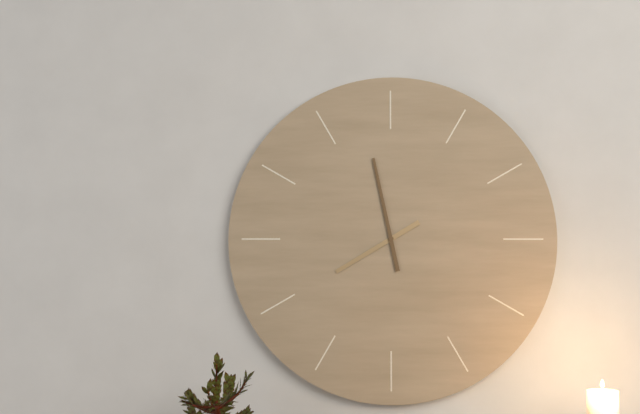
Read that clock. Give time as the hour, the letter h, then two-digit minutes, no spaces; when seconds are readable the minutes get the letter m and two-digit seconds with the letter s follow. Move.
7h58
